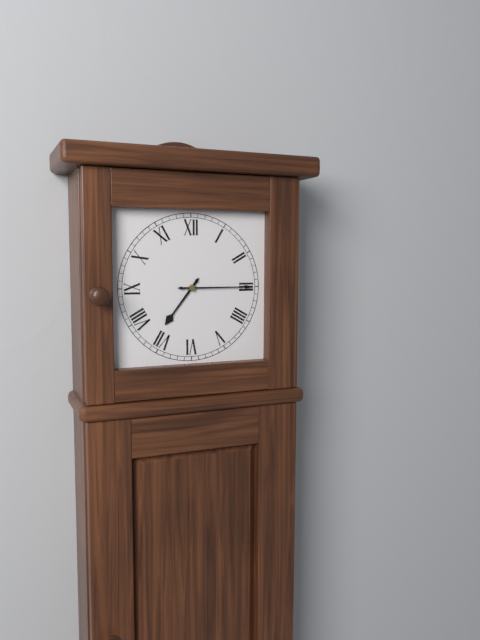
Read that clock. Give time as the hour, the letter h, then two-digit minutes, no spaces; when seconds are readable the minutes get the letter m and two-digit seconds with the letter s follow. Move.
7h15
